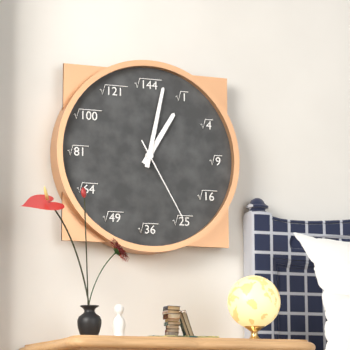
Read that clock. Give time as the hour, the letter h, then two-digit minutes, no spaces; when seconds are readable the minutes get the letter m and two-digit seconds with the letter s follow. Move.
1h02m25s
